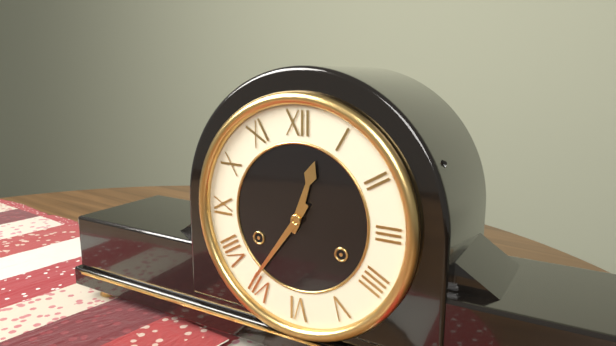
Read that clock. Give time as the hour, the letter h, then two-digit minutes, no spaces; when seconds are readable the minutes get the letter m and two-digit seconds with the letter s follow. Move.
12h36
